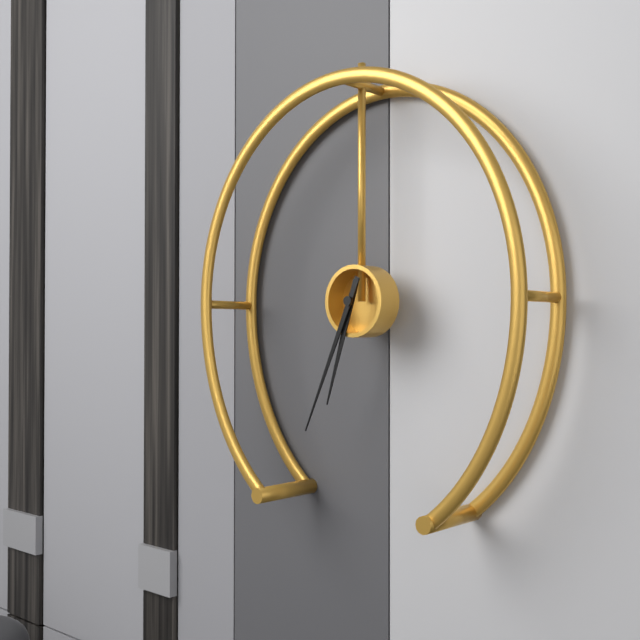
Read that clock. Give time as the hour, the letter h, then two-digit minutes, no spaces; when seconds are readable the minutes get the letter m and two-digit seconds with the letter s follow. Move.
6h34
